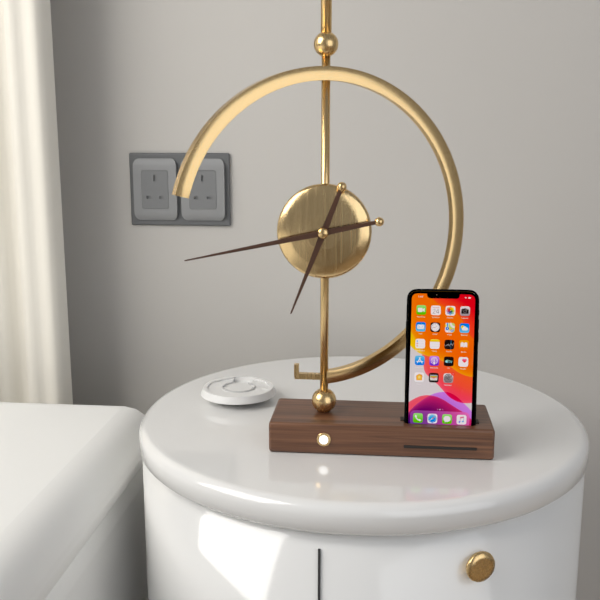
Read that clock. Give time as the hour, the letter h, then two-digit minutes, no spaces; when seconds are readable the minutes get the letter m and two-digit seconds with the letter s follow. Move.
6h43
